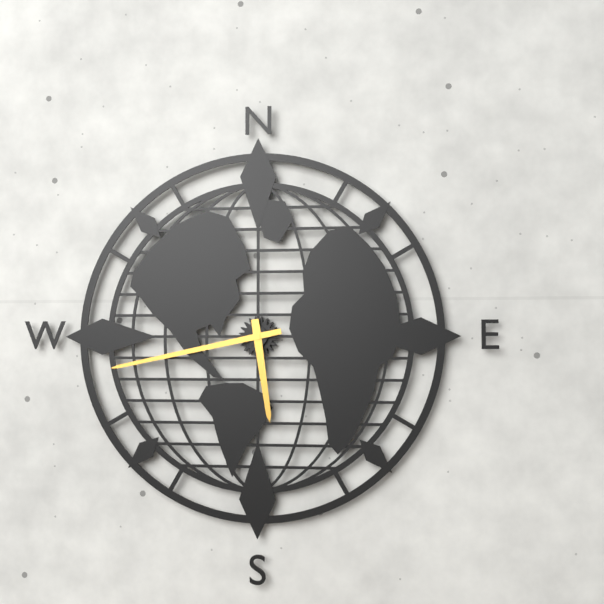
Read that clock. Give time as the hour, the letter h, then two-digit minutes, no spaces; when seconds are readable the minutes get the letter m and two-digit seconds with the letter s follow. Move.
5h43
